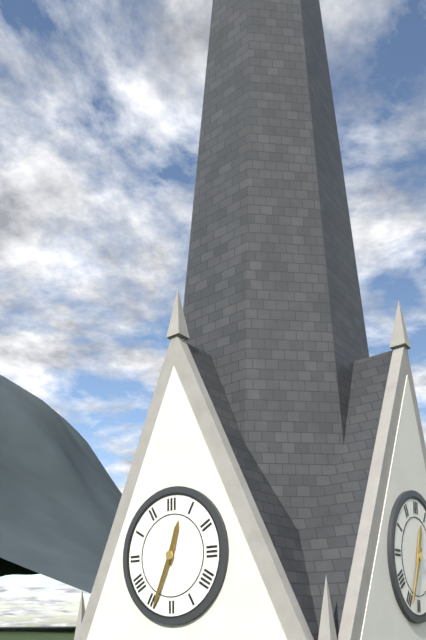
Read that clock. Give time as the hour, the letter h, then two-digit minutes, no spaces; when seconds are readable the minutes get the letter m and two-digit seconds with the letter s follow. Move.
12h34
